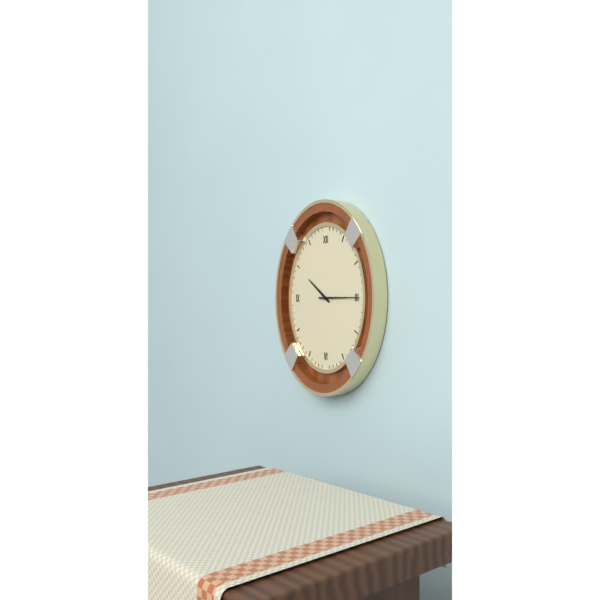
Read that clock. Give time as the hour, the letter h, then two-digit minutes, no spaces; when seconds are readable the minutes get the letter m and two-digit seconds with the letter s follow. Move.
10h15
